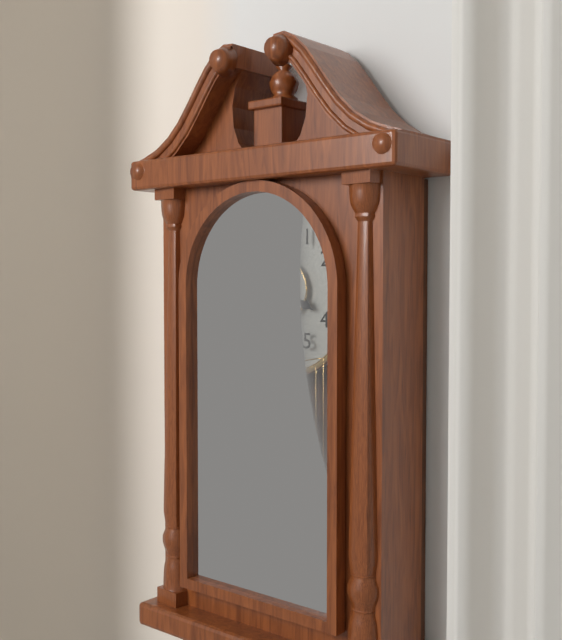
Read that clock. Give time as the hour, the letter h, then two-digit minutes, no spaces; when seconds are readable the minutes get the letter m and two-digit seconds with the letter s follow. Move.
3h55
